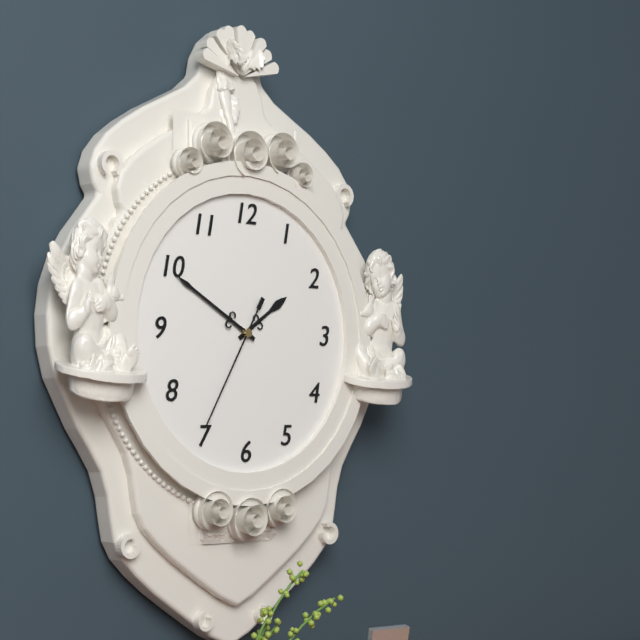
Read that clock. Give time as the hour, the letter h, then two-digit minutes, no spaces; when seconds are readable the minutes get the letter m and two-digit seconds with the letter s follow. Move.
1h50m35s
